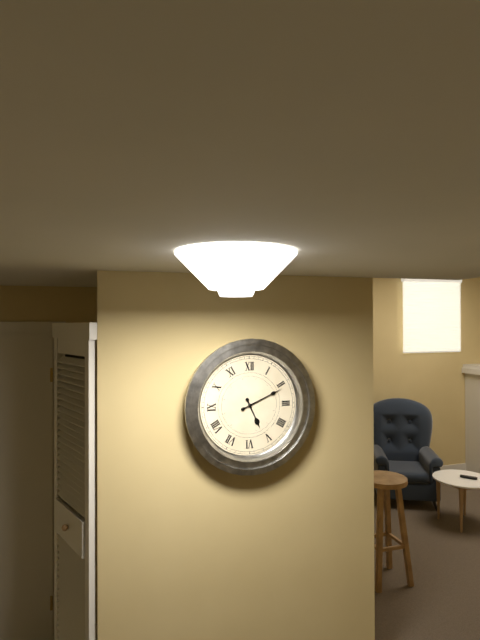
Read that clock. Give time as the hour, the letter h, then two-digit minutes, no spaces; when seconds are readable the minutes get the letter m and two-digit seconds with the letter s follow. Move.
5h11
